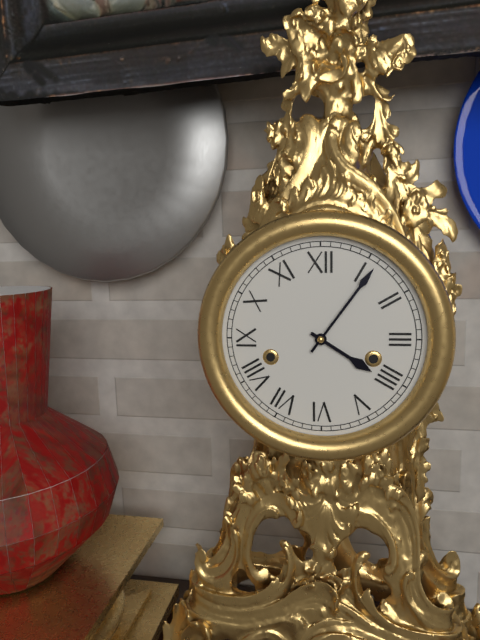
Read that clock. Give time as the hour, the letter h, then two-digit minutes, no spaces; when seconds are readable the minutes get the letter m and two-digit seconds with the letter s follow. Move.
4h06
